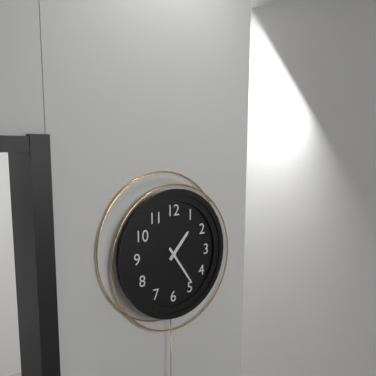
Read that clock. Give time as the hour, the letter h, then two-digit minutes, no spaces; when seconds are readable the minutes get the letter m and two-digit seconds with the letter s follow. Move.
1h24
